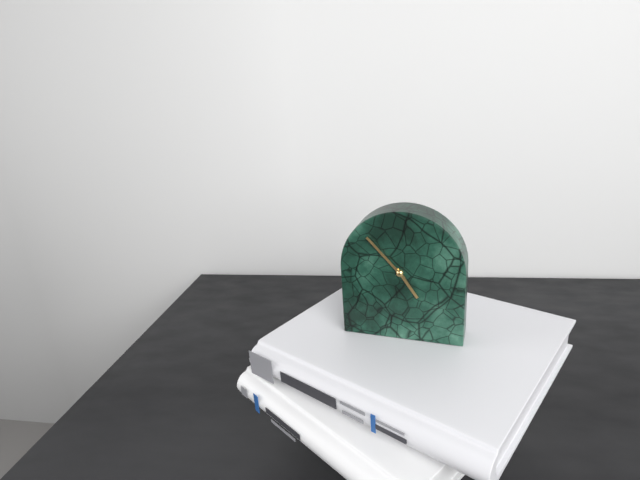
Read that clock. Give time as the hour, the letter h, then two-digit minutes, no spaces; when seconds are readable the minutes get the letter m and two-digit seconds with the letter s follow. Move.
4h53
